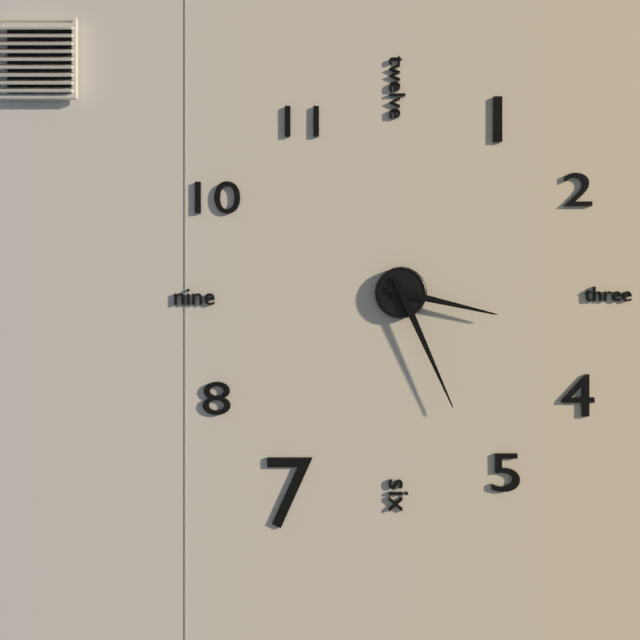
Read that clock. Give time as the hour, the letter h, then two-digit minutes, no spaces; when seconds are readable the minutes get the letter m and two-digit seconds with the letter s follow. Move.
3h26
